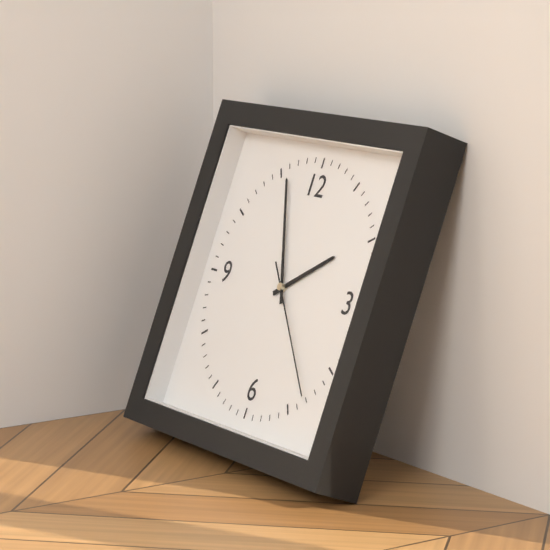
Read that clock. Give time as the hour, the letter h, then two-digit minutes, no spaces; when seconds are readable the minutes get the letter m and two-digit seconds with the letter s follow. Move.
1h56m23s
